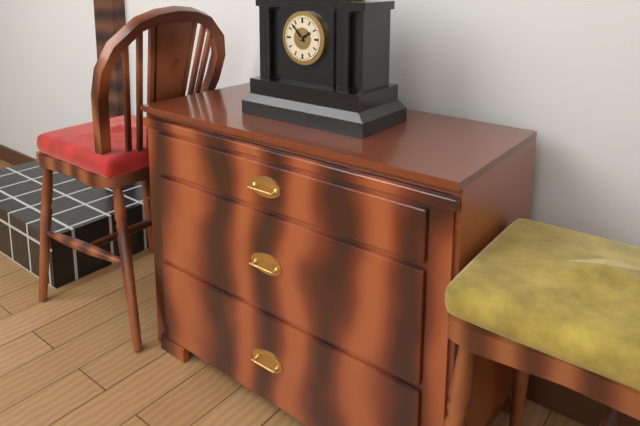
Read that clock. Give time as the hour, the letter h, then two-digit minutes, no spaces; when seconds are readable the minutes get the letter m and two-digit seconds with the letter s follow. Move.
1h53
